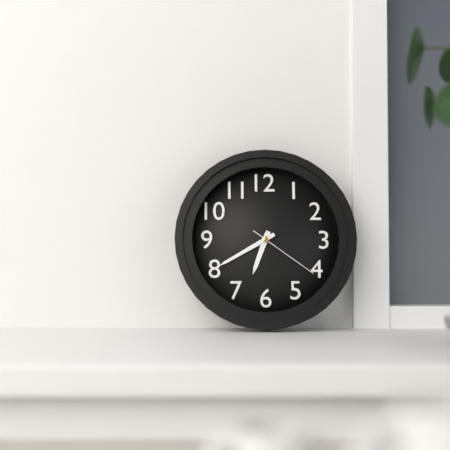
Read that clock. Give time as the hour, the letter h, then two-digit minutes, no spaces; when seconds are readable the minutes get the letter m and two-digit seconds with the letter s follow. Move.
6h40m21s
